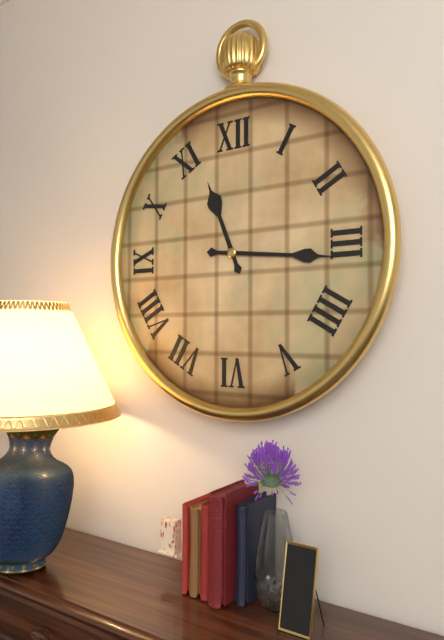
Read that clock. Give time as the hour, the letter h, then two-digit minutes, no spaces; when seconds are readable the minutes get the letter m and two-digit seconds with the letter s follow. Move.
11h16
